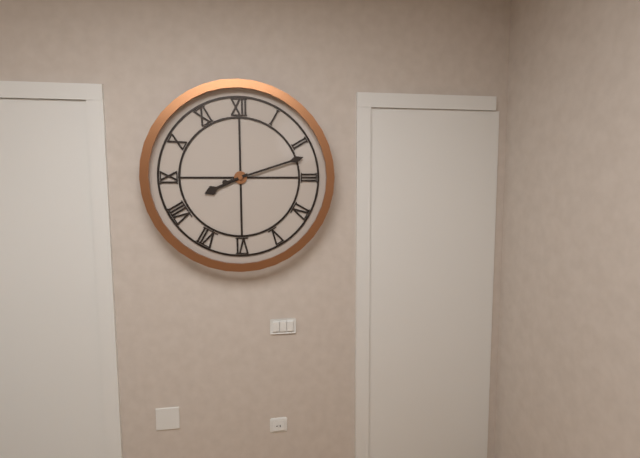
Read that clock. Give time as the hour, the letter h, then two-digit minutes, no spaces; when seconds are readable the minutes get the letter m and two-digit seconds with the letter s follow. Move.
8h12
